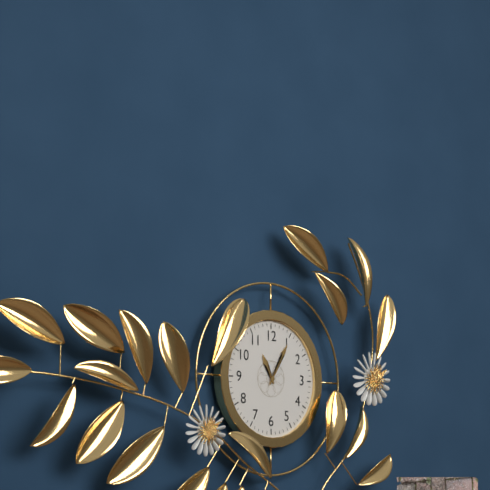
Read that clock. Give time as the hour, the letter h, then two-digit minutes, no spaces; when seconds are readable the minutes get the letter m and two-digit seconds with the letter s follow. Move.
11h05
